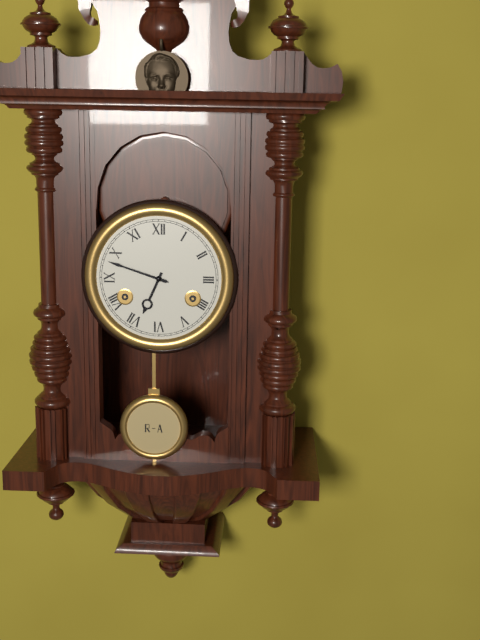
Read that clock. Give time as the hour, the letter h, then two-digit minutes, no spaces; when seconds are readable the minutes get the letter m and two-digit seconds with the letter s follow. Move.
6h48
